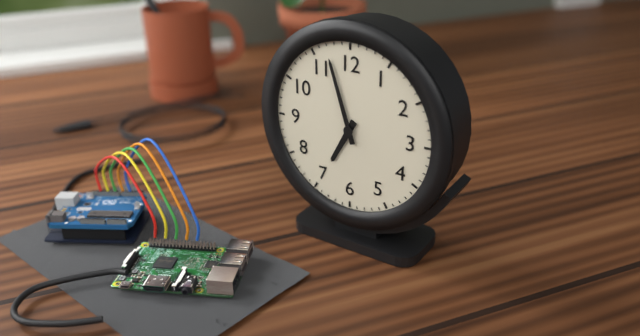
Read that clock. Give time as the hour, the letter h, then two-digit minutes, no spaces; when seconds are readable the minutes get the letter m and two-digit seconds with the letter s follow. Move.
6h57
